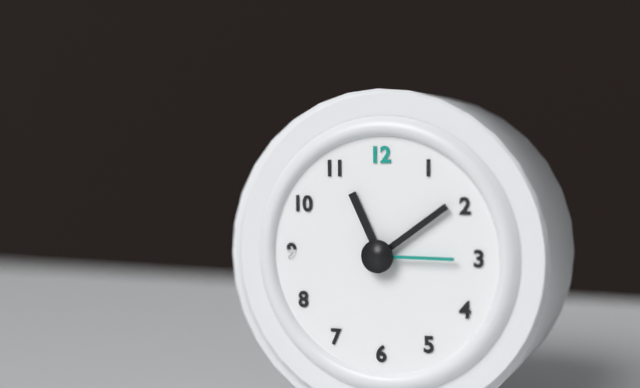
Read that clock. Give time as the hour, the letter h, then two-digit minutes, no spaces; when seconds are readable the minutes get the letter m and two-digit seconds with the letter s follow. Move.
11h09m15s
